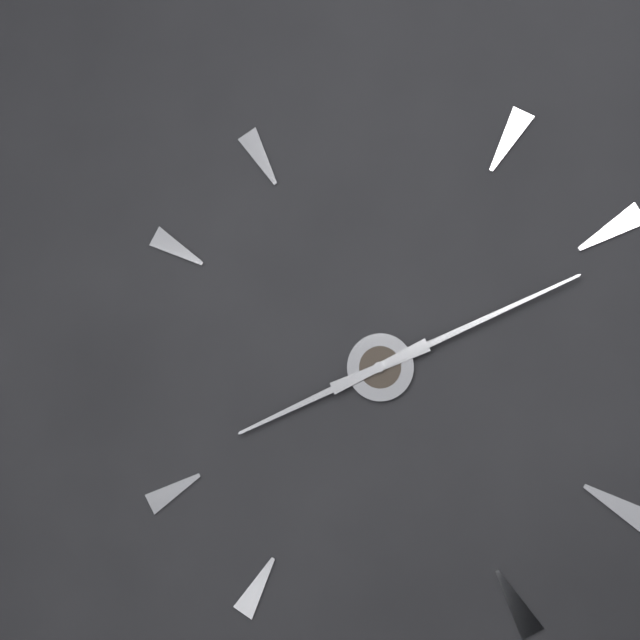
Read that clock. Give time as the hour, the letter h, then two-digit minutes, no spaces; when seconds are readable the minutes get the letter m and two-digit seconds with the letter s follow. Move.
8h11
